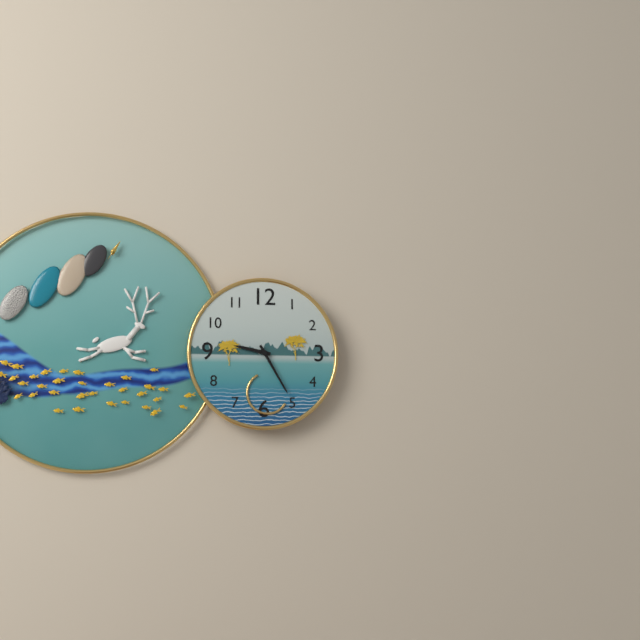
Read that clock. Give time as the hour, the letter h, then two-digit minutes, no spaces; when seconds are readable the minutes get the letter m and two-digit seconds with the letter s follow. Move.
9h25
